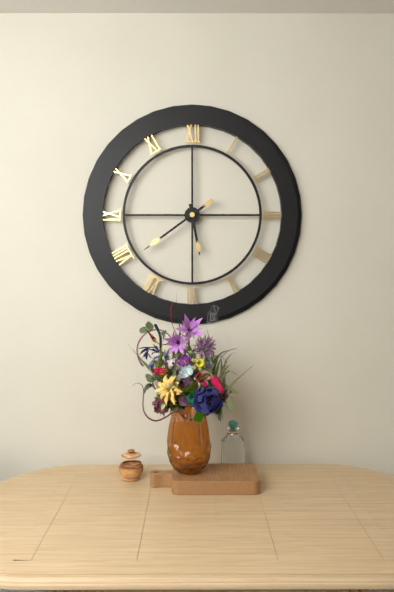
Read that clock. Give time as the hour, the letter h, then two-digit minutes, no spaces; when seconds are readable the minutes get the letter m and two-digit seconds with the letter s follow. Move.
5h39
